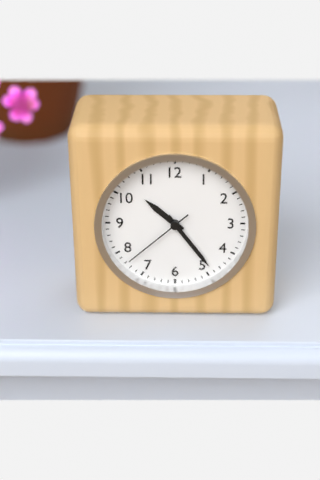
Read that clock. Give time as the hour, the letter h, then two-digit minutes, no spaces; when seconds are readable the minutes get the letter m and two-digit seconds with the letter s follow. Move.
10h24m38s
